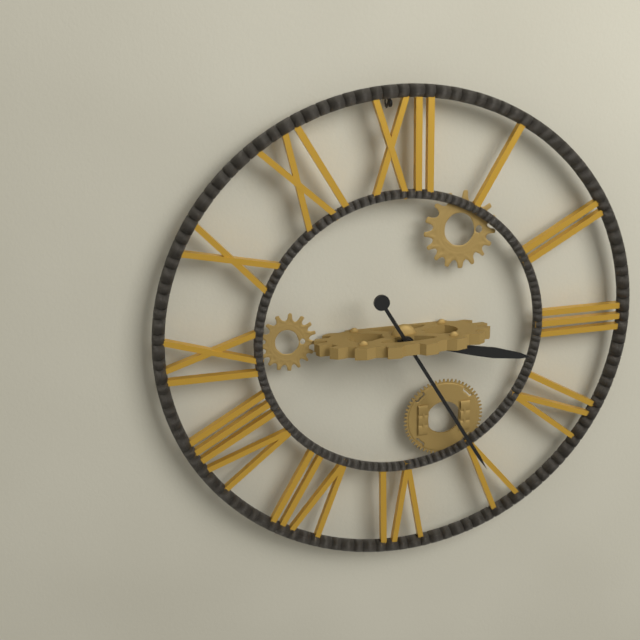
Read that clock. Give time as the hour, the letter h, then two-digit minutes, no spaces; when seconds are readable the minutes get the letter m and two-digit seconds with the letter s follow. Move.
3h25
